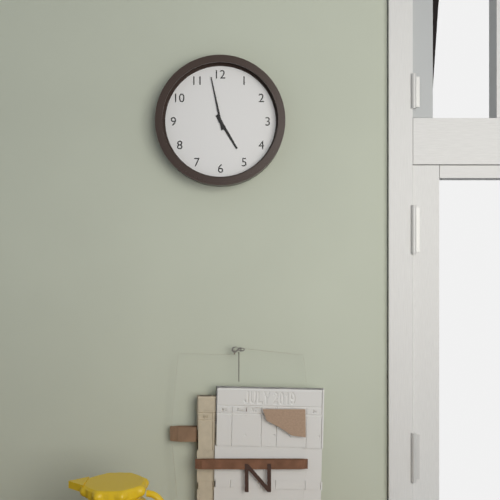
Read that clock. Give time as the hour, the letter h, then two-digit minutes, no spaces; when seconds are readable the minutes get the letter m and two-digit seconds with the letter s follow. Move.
4h58
